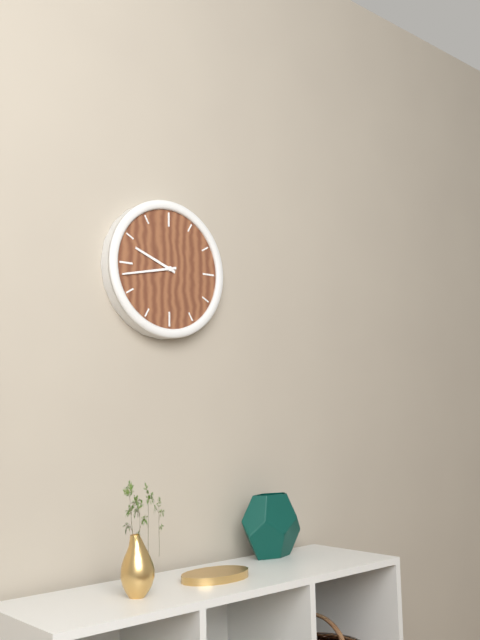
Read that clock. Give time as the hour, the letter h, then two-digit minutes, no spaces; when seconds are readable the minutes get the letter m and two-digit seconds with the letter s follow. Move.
9h43
